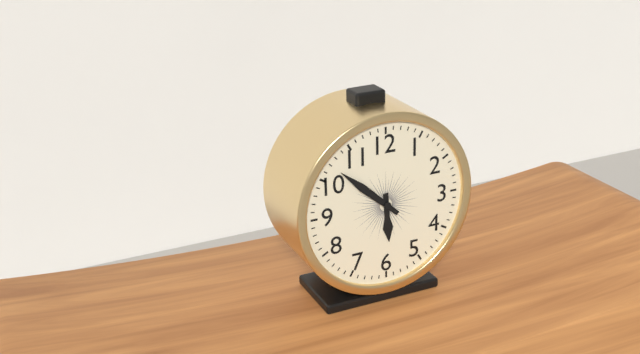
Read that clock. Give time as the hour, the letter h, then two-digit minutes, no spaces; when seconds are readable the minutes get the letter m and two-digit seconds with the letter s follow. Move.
5h52
